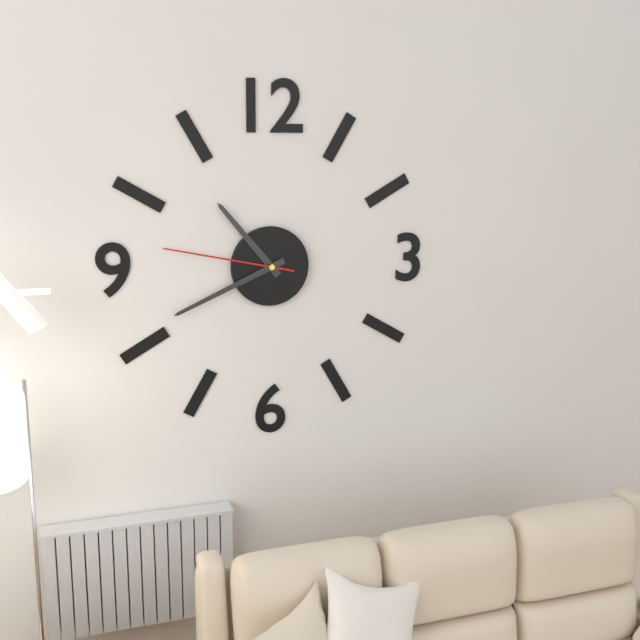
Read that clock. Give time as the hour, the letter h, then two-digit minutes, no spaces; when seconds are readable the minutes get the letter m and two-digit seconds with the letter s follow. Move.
10h41m47s
